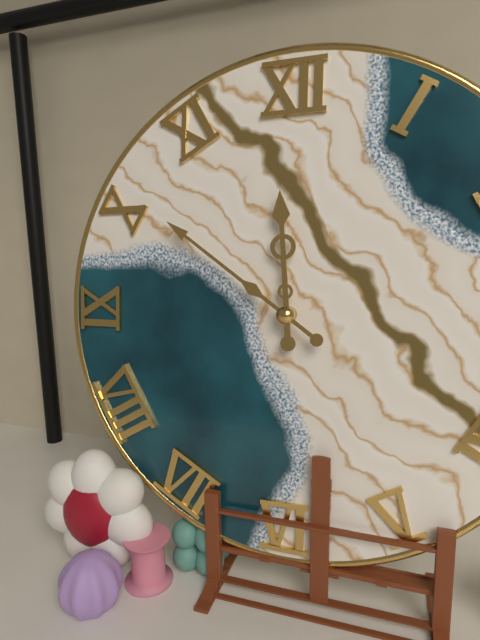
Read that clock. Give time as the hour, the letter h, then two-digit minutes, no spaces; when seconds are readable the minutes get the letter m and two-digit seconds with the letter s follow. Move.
11h51
